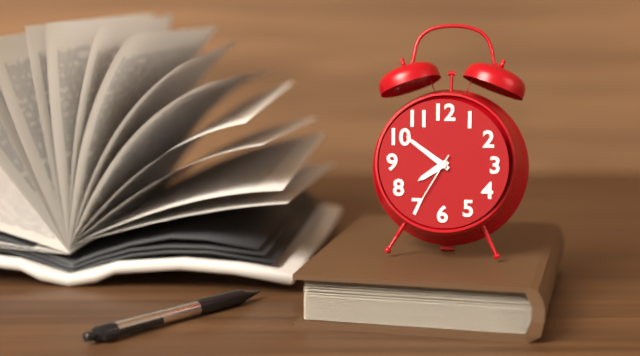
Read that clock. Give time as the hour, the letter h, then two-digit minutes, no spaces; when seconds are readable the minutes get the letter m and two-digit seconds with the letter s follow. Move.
7h51m35s
